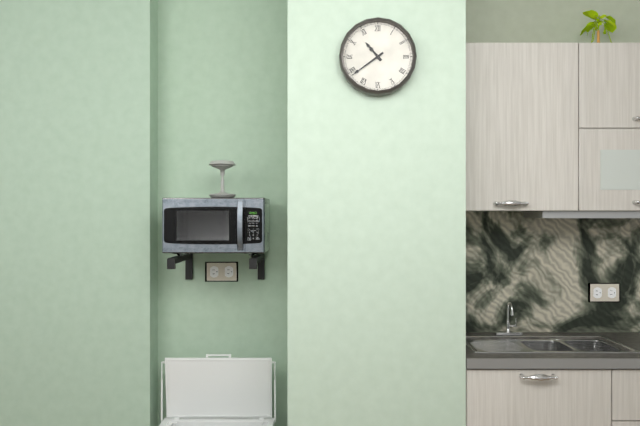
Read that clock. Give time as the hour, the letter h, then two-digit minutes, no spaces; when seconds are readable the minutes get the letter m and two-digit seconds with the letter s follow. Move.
10h39
